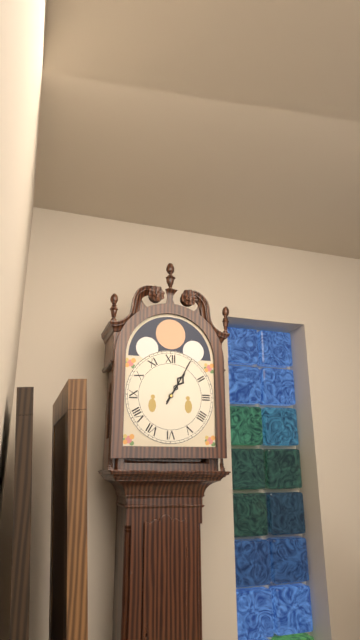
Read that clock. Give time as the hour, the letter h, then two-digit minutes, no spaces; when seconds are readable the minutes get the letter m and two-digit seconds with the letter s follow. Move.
1h05
